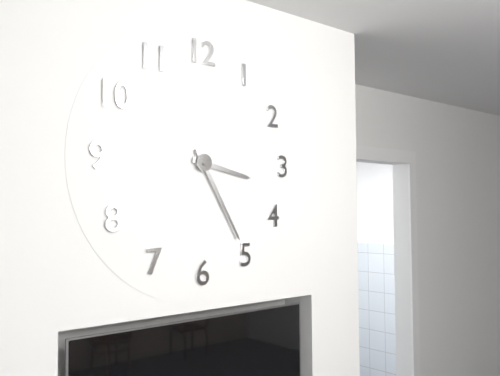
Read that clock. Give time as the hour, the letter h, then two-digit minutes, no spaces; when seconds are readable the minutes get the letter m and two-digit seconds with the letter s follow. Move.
3h25
